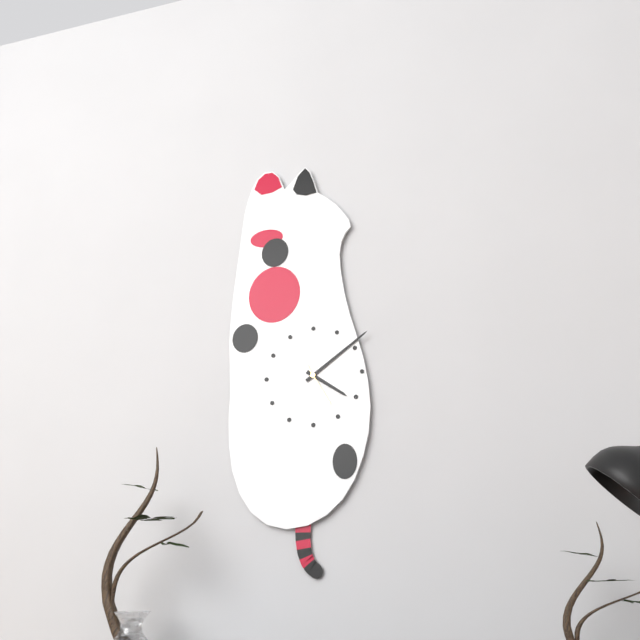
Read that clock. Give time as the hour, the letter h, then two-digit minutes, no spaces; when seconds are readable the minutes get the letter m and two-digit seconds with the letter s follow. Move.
4h09
